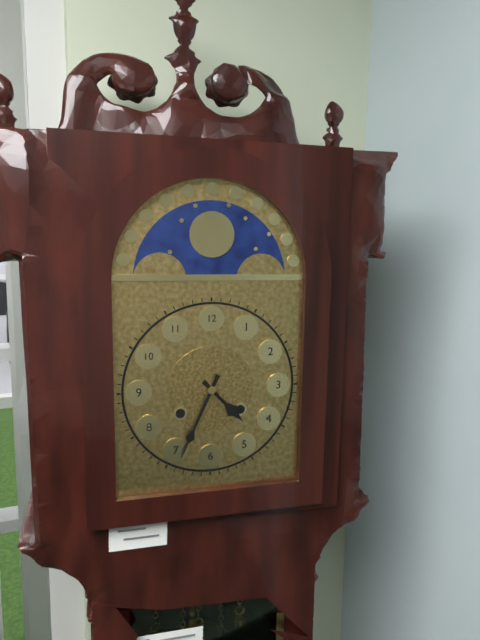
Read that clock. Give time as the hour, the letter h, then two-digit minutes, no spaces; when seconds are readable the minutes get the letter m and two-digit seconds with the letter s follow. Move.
4h34
